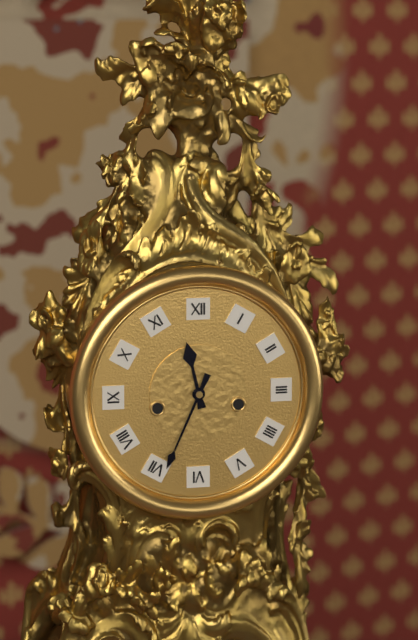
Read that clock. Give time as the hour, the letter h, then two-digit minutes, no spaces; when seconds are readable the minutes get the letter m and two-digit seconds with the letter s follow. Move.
11h34
